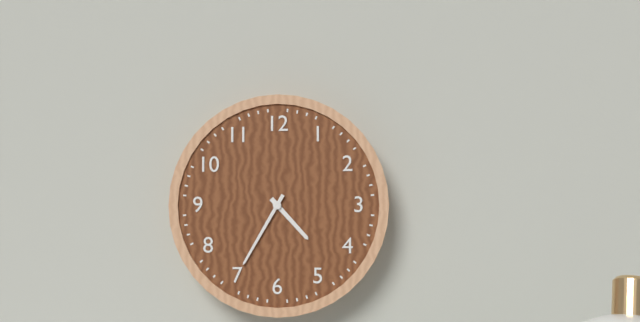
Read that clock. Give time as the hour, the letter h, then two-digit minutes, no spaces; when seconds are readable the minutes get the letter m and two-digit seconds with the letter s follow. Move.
4h35
